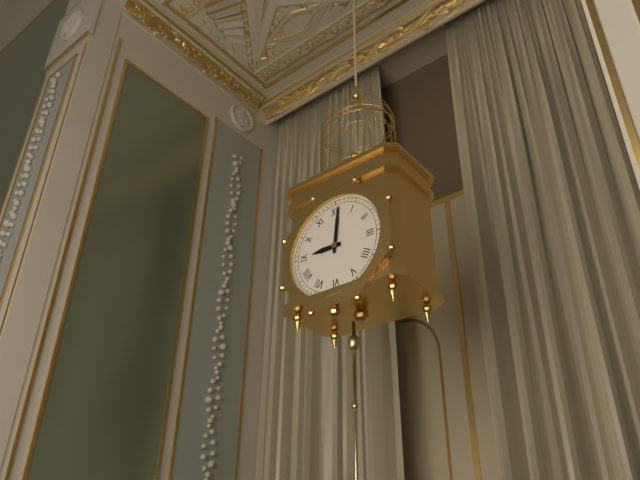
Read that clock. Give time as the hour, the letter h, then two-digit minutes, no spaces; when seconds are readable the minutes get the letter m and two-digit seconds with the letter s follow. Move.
9h01
